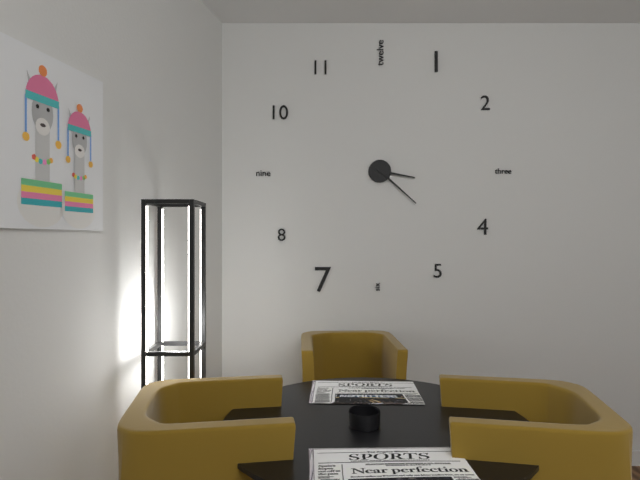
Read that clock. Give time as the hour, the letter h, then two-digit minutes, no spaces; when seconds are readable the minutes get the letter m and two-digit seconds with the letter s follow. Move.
3h22
